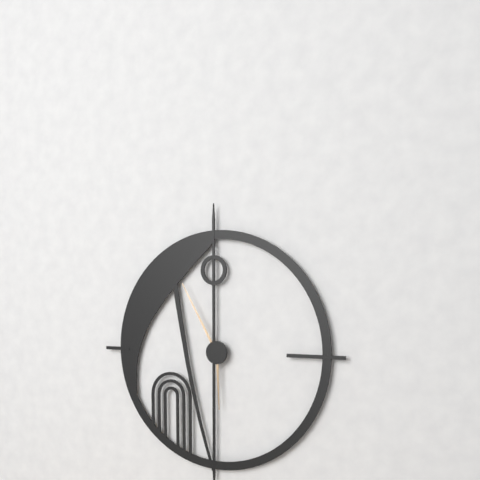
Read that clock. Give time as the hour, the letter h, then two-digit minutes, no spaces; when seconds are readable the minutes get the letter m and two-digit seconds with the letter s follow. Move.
5h55
